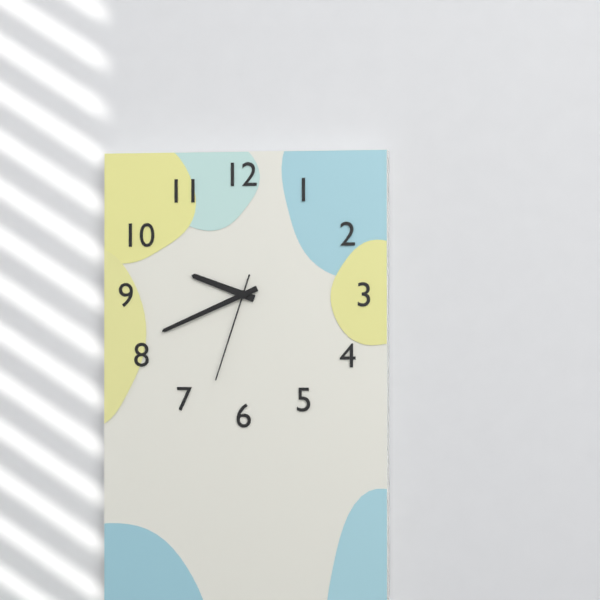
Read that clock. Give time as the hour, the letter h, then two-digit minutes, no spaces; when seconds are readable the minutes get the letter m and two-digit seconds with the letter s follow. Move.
9h41m33s
